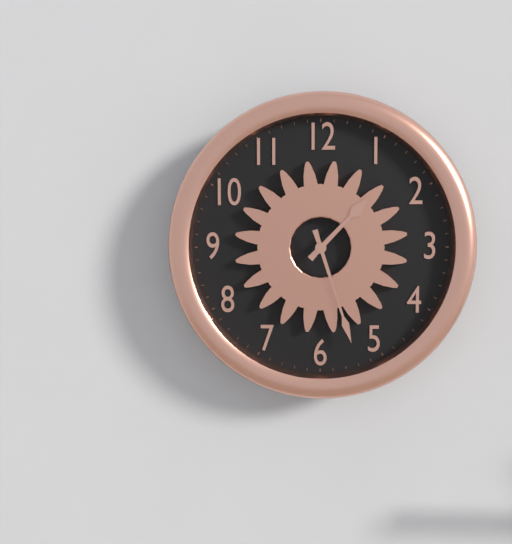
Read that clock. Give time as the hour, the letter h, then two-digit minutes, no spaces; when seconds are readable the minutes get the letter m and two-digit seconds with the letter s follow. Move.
1h27
